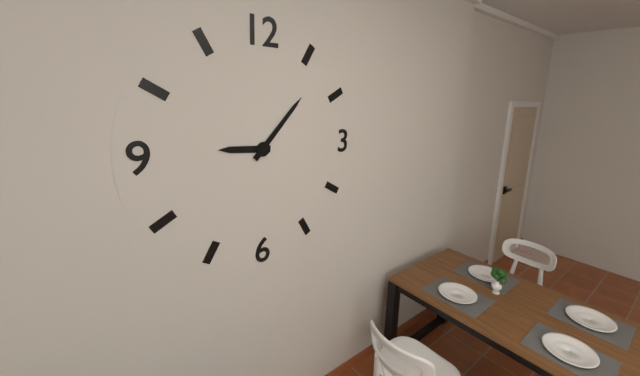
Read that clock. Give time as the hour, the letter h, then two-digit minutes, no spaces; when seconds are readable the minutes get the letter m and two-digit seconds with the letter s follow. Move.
9h07
